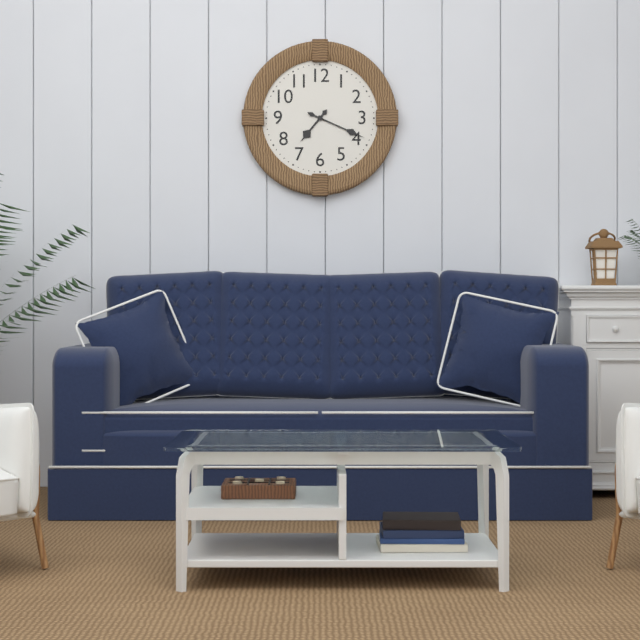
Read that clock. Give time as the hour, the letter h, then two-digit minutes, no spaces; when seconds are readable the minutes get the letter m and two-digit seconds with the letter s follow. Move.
7h19
